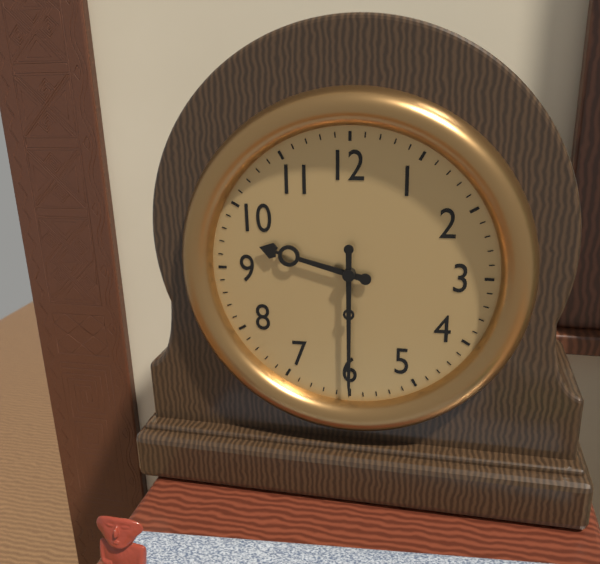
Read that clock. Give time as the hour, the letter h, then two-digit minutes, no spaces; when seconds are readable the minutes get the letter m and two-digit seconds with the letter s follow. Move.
9h30
